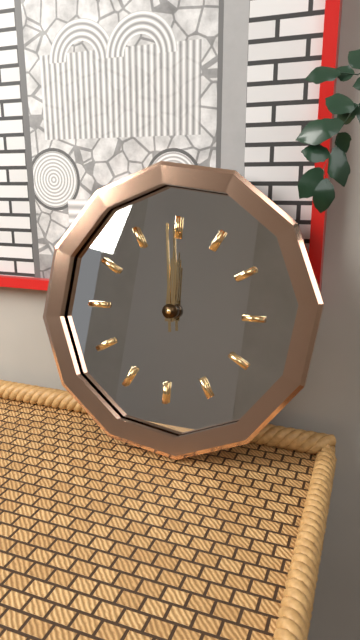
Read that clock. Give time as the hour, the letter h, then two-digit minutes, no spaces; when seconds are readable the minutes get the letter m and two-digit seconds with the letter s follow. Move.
11h59
